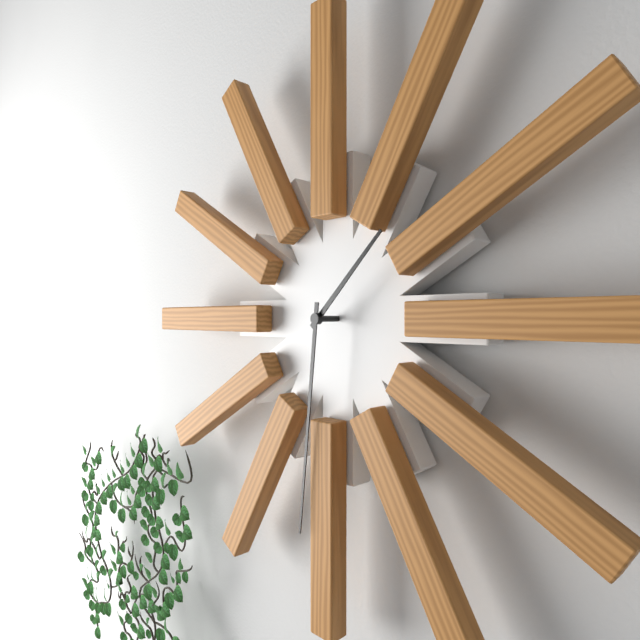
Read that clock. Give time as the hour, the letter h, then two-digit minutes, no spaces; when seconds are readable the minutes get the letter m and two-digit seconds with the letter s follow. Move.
1h31
